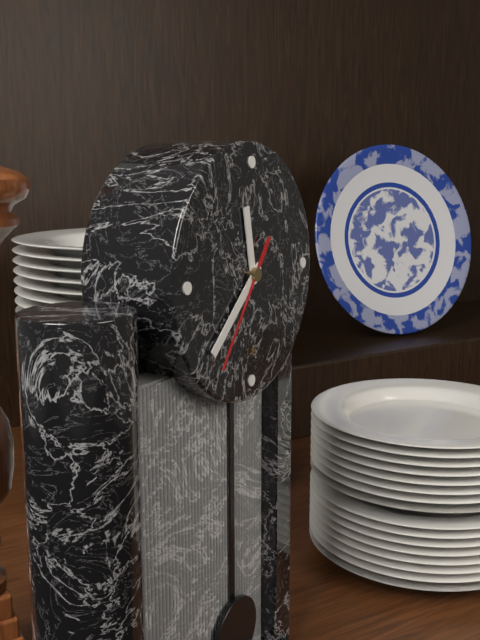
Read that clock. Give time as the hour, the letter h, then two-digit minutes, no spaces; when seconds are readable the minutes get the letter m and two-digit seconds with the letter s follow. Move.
11h38m36s
